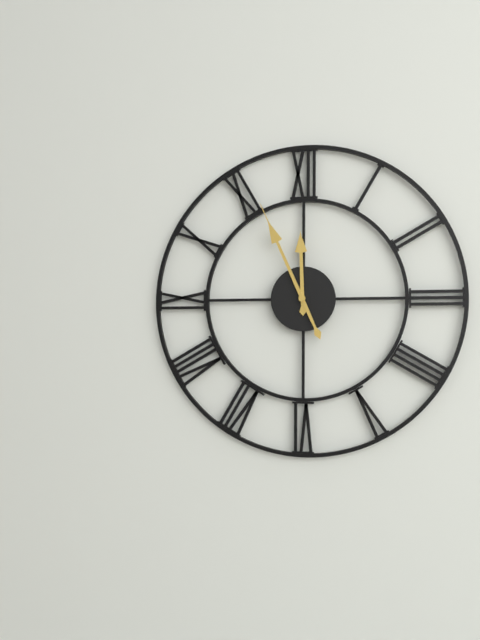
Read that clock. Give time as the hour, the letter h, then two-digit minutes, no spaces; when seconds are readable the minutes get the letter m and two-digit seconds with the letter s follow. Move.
11h56
